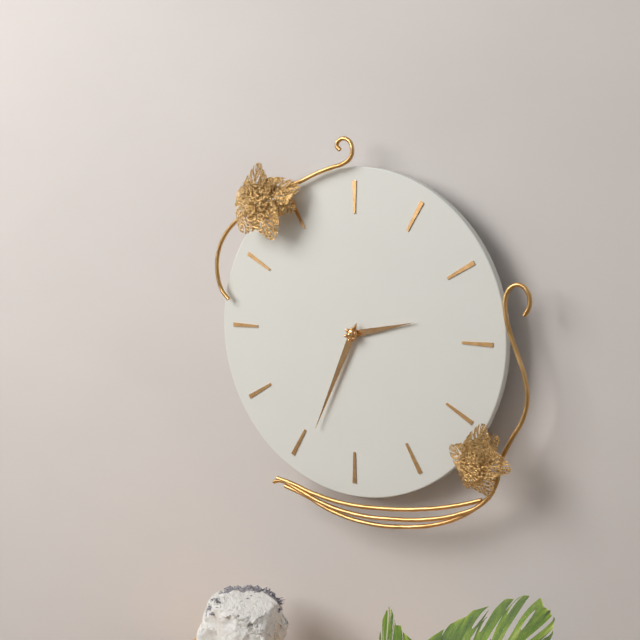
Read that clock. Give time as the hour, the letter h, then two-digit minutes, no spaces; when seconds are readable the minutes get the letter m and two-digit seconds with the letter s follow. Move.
2h34
